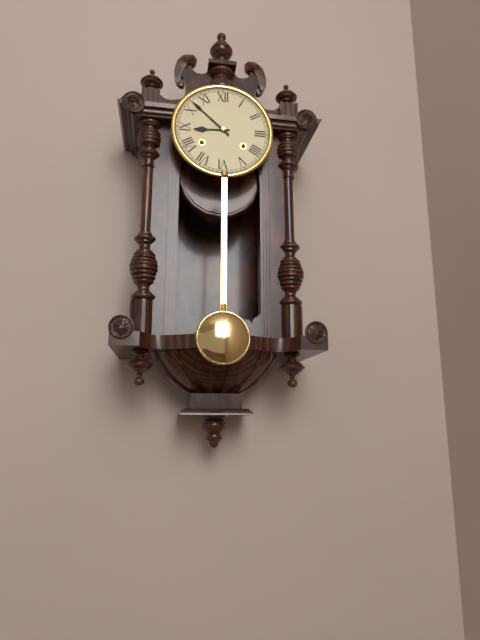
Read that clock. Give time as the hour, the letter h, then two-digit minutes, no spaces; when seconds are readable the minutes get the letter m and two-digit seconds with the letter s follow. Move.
8h52
